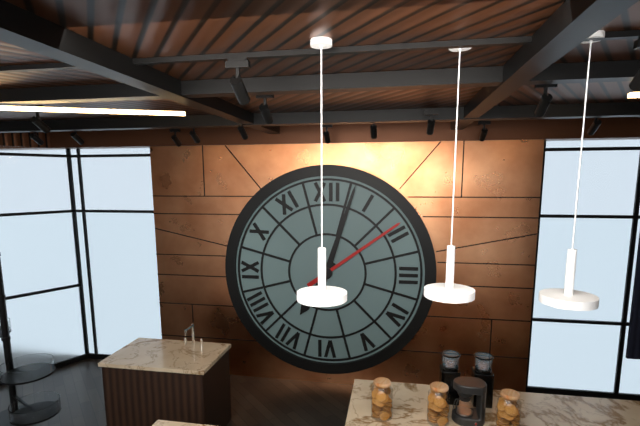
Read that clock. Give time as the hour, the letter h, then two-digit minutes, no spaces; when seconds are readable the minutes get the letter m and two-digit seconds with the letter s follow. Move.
7h03m09s
